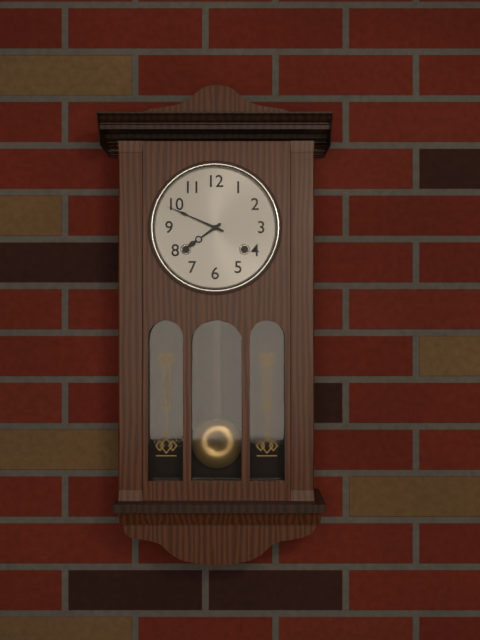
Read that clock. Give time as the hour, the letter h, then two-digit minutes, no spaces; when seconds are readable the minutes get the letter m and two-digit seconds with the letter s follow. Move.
7h49
